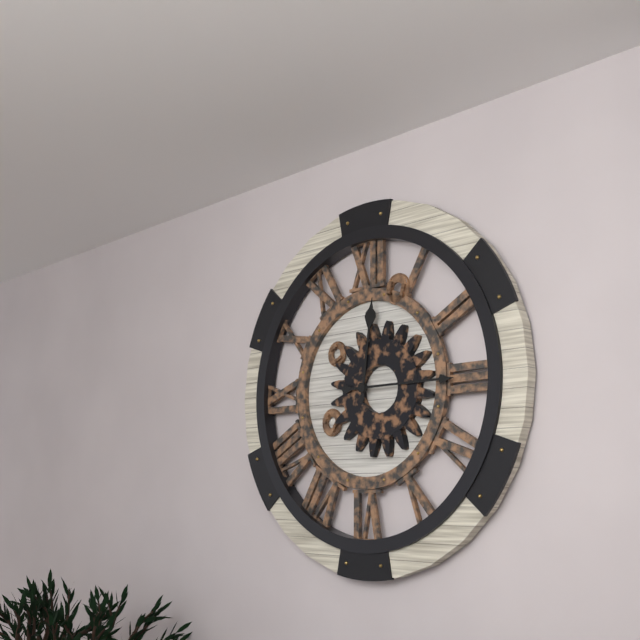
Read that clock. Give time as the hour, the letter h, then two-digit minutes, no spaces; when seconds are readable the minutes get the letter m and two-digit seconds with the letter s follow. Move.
12h15
